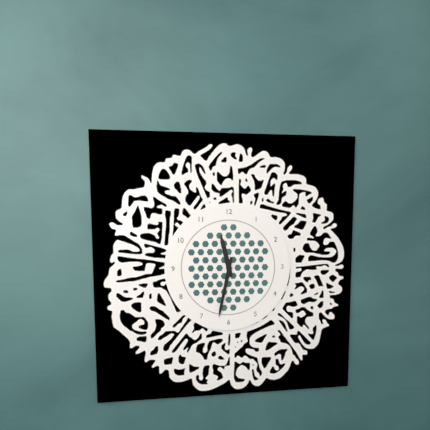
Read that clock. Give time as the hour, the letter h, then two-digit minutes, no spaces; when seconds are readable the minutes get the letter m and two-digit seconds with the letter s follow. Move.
11h32
